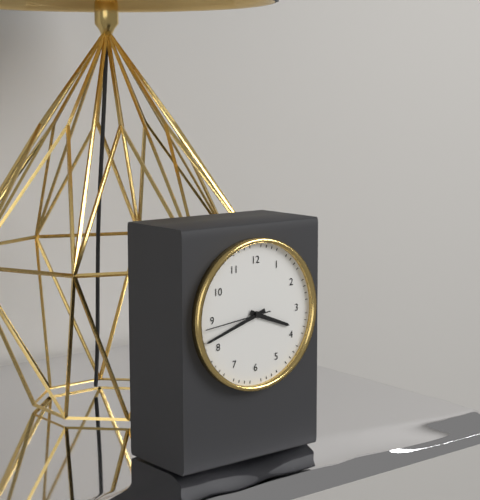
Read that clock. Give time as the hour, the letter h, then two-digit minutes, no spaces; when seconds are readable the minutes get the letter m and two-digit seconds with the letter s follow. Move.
3h42m44s
